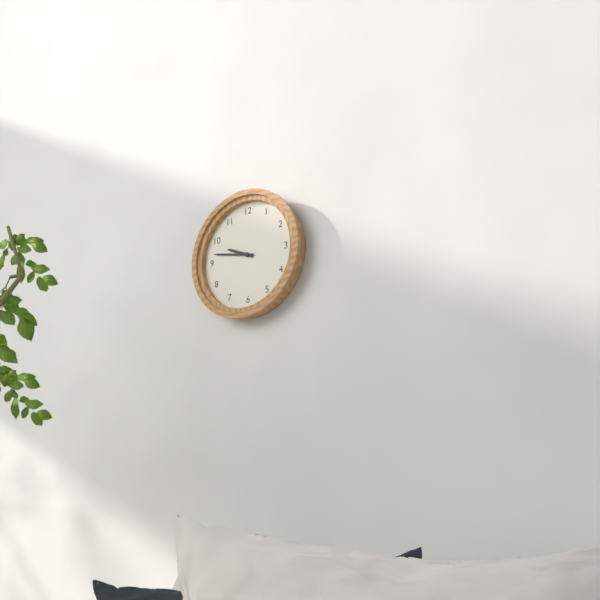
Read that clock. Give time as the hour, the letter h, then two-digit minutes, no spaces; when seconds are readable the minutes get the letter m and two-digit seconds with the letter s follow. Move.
9h47
